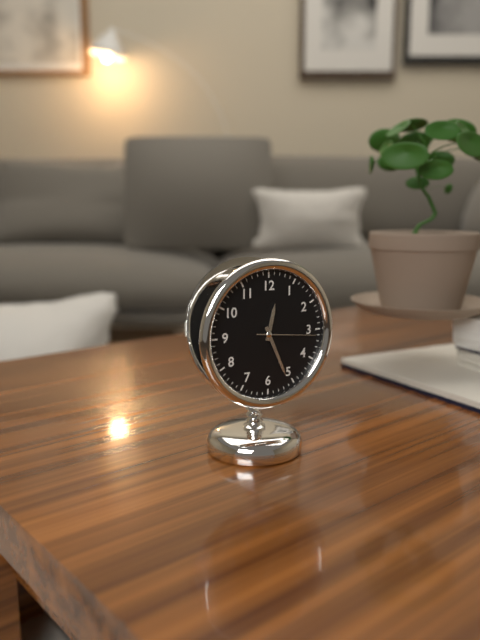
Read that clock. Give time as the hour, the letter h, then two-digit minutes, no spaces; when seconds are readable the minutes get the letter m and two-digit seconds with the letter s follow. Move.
12h26m16s
